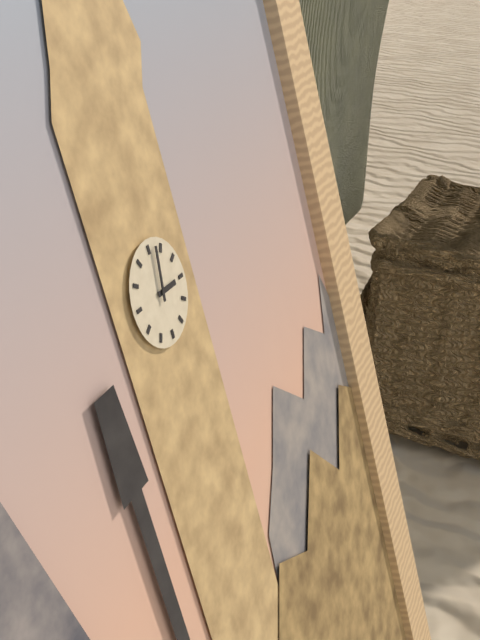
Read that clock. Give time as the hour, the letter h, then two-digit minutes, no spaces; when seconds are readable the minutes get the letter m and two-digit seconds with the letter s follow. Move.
3h02
